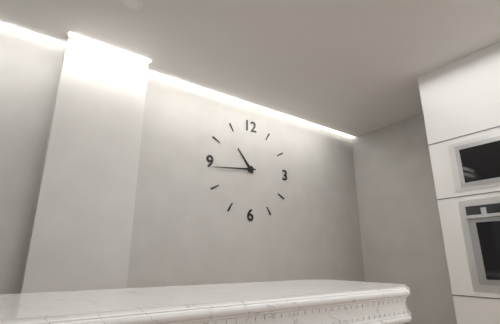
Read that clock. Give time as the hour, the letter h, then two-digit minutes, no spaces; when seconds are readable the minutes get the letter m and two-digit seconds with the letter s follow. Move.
10h44
